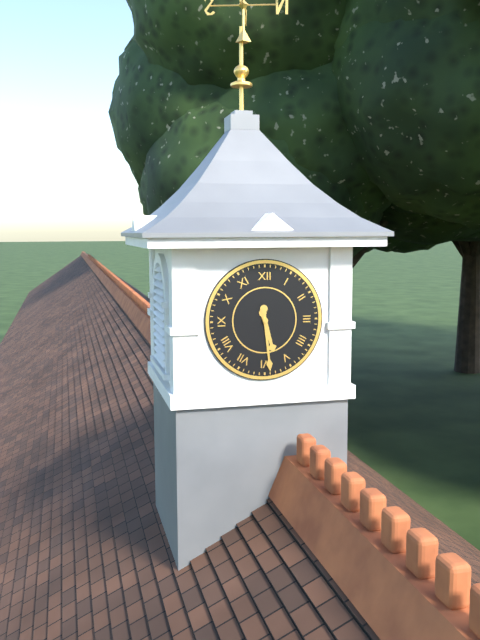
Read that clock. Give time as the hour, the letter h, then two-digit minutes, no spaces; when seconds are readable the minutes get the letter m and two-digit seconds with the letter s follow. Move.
5h29
